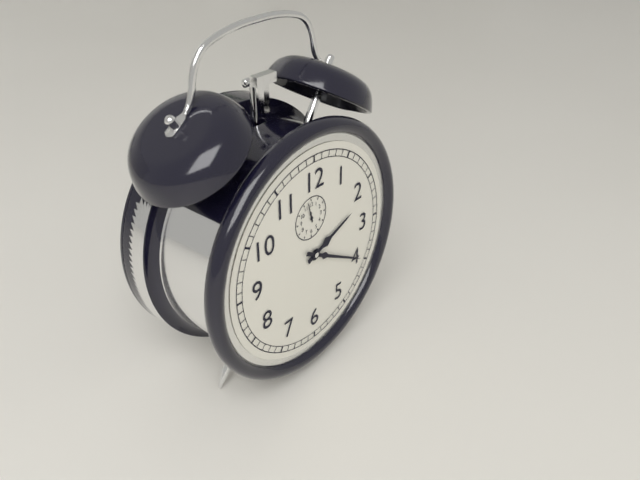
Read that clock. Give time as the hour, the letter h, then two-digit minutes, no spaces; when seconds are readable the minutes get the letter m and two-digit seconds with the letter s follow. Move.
2h20
